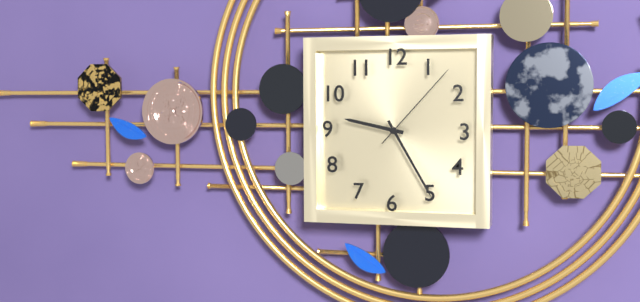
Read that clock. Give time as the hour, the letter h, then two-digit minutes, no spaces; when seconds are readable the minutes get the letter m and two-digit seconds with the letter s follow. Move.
9h25m07s
